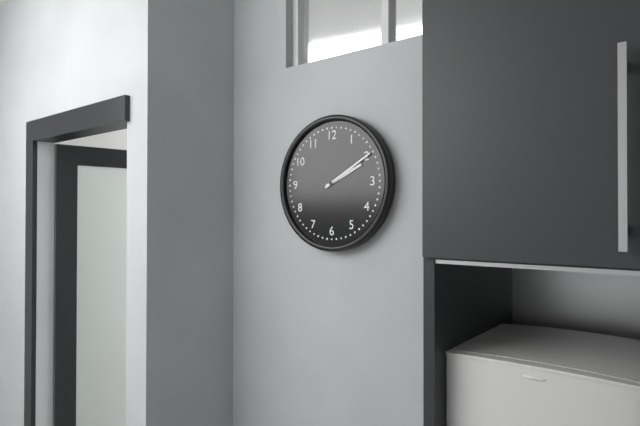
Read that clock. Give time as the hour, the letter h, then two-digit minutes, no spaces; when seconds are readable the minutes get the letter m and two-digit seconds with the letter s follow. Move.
2h10
